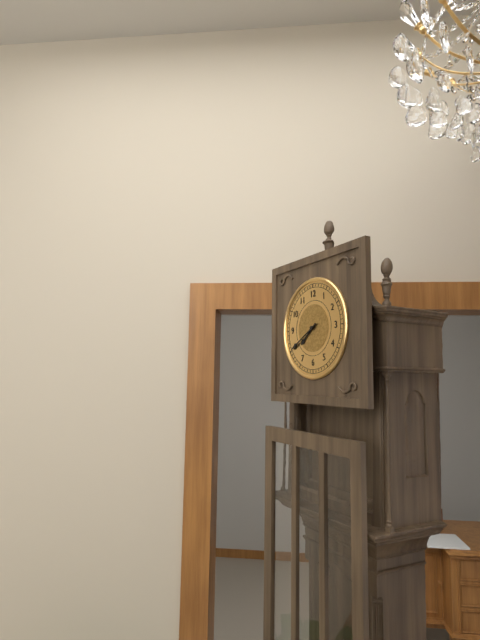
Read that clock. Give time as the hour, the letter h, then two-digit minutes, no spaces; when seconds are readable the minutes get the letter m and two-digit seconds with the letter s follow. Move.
7h40
